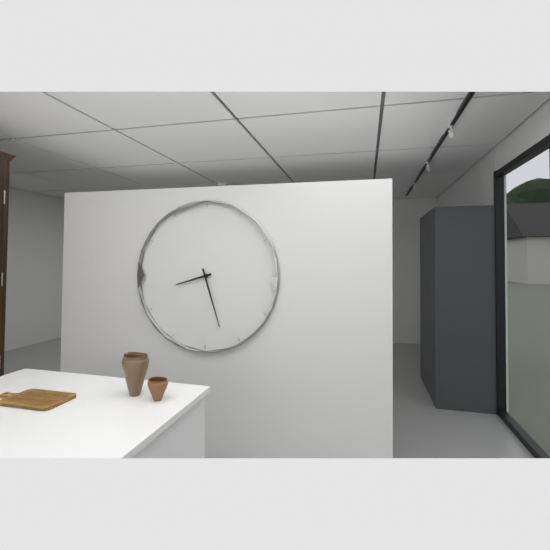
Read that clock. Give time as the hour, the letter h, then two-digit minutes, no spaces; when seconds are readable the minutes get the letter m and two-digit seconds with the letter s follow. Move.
8h27
